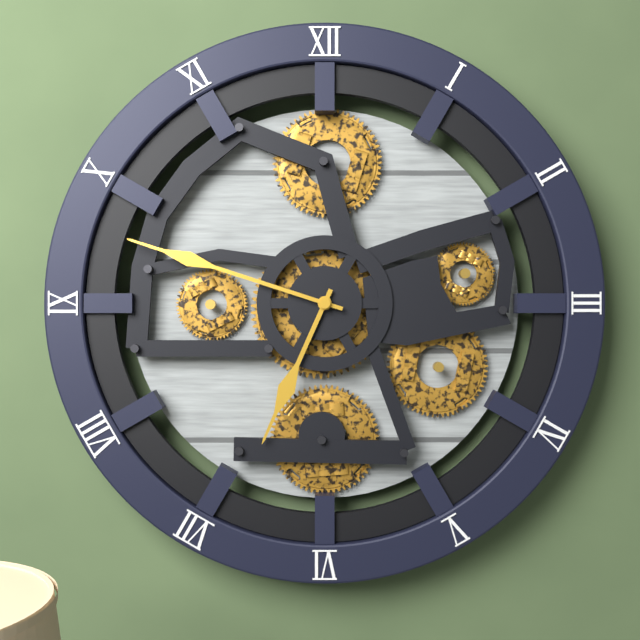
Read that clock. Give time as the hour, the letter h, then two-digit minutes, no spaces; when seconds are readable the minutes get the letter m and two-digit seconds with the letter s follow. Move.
6h48
